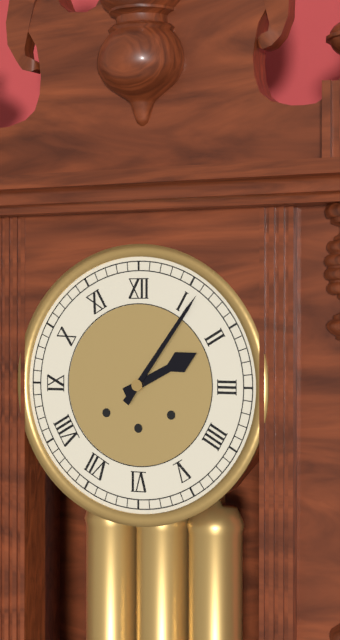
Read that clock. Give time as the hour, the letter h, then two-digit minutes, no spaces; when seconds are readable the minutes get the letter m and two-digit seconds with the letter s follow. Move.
2h06
